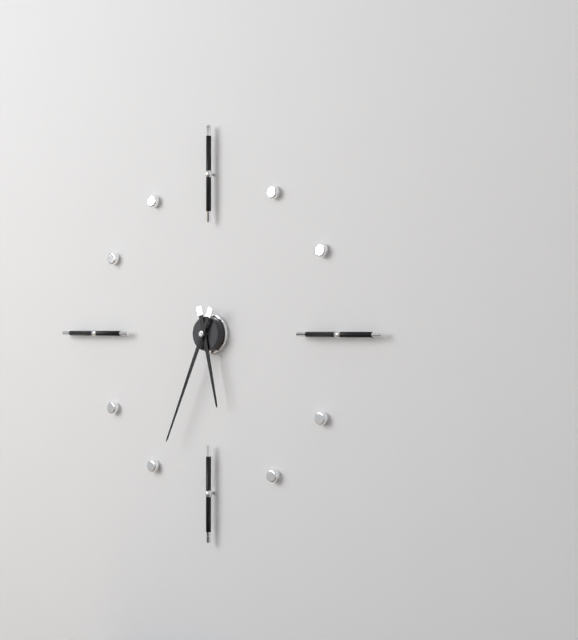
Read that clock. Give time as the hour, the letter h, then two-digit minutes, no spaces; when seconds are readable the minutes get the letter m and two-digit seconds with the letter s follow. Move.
5h34
